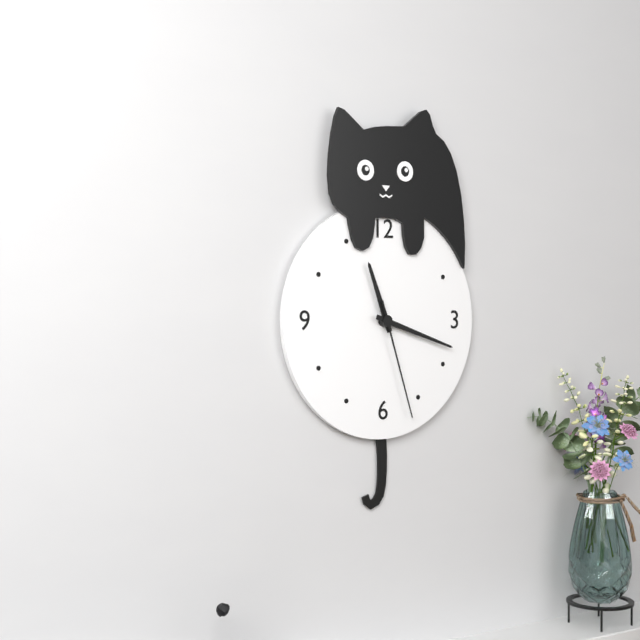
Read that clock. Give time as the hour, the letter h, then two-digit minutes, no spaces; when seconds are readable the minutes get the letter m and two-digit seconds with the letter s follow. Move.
11h18m27s
